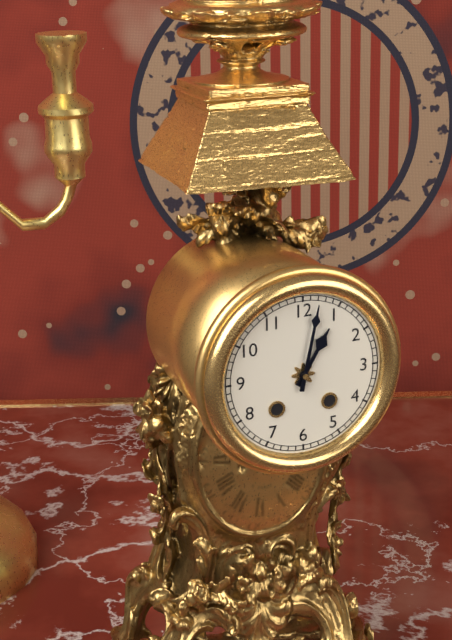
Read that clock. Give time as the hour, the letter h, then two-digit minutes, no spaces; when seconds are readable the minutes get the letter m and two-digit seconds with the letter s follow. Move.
1h02
